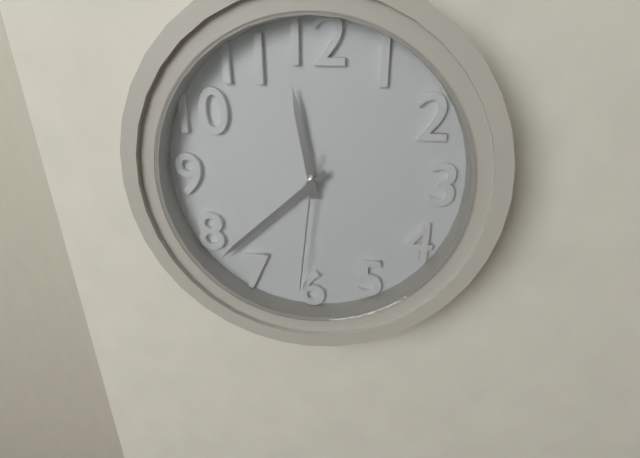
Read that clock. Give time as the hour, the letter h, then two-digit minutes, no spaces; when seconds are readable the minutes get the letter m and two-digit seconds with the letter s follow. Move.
11h38m31s
